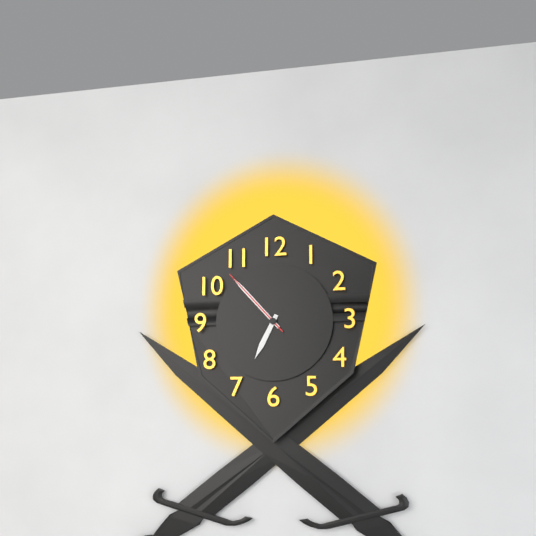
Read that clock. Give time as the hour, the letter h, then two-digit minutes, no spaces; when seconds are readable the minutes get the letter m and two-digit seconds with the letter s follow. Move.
6h53m53s
